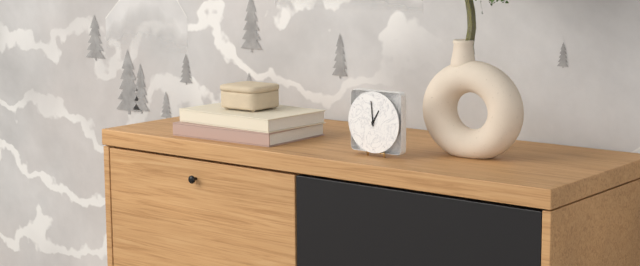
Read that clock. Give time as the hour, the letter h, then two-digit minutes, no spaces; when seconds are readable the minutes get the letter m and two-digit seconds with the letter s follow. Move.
12h59
